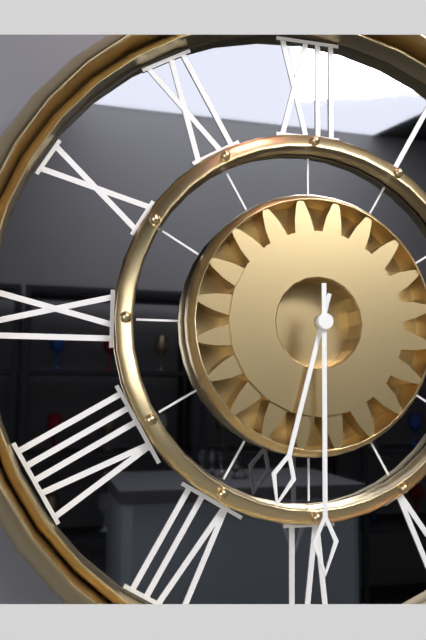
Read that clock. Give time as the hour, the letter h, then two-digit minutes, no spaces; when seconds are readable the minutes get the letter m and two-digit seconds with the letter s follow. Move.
6h30
